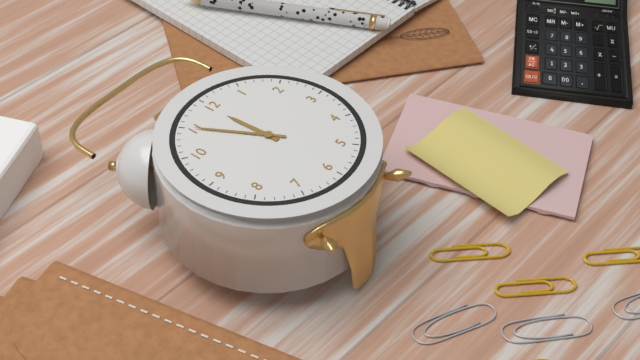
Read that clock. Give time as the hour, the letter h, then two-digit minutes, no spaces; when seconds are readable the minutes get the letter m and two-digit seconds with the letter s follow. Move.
11h55
